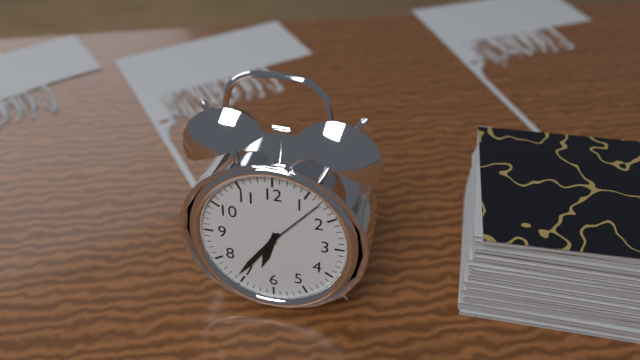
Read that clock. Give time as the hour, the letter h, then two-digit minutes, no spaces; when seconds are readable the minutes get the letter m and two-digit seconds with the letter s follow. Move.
6h36m07s
